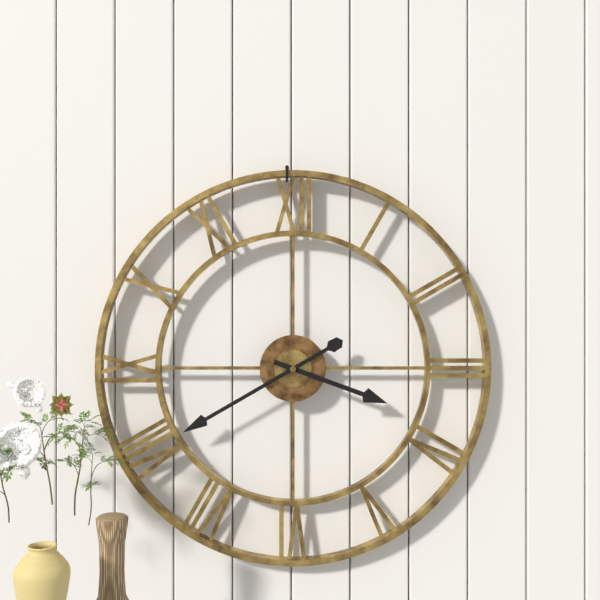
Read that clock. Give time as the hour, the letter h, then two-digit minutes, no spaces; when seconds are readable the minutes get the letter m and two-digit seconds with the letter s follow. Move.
3h40
